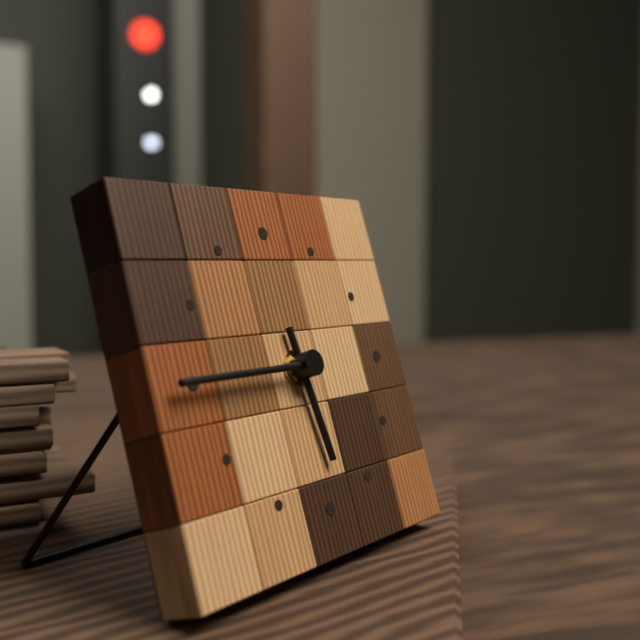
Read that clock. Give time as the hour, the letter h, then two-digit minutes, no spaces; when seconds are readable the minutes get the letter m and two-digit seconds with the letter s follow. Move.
5h45
